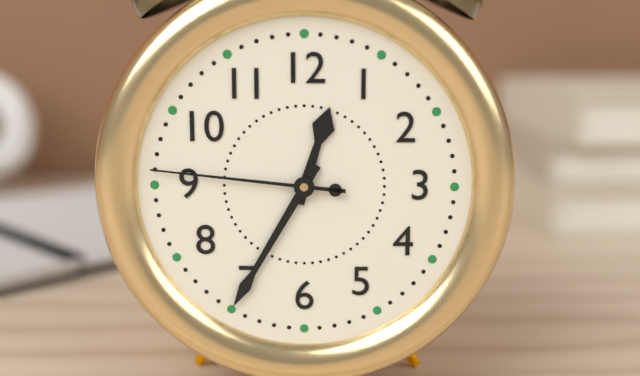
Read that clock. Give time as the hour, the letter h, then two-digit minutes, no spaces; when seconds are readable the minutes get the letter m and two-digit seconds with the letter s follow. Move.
12h35m46s
